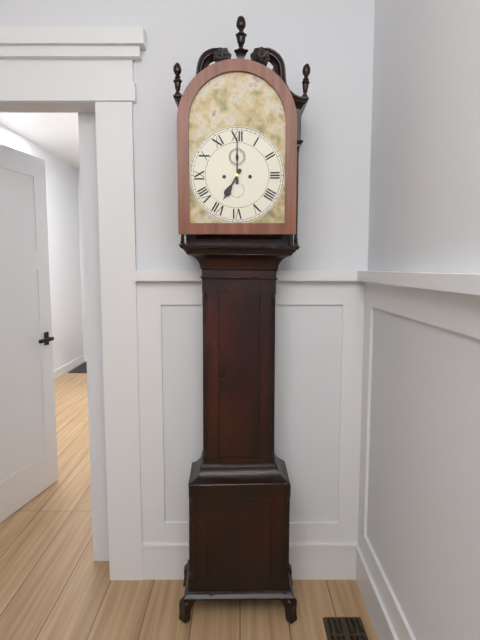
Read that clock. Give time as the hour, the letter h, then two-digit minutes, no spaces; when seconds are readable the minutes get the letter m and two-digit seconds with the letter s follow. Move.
7h00
